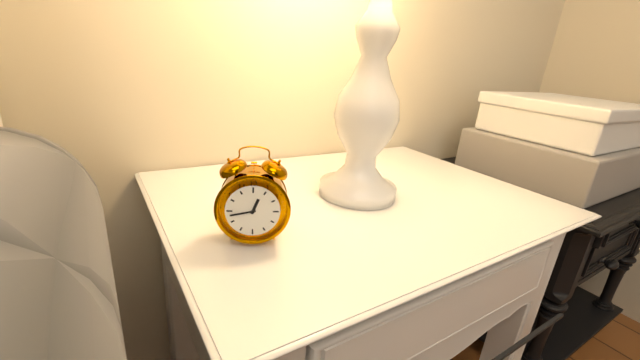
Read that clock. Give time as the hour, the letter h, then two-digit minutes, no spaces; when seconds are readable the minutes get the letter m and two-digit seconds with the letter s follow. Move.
12h43
